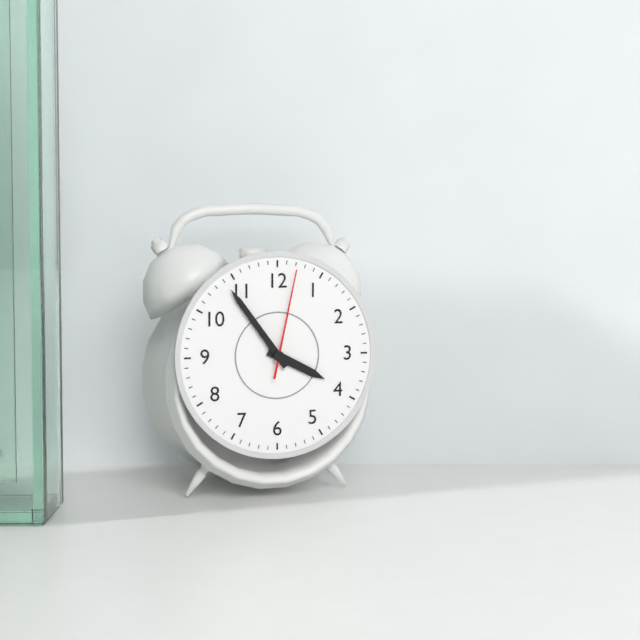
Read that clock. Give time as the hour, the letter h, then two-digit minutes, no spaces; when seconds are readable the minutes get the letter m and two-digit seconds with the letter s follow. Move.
3h54m02s
